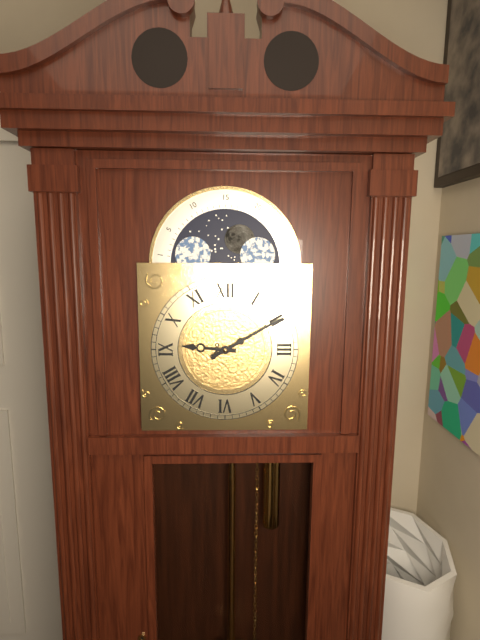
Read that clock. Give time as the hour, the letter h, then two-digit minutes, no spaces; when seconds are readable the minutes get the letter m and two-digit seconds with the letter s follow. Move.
9h10
